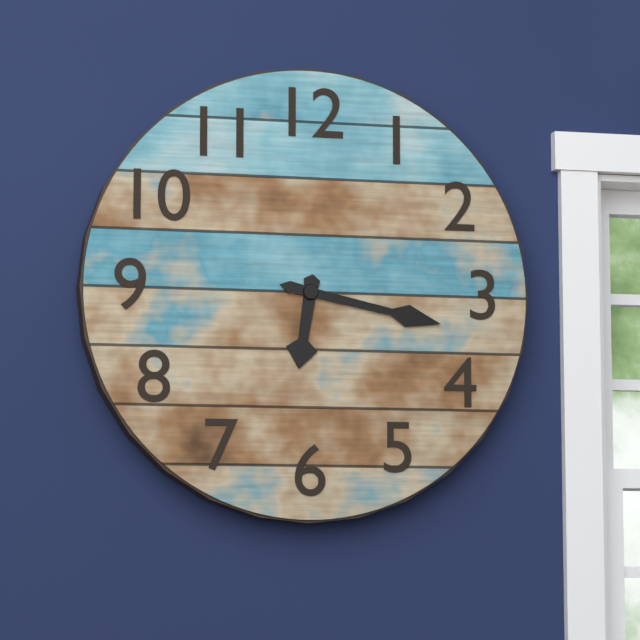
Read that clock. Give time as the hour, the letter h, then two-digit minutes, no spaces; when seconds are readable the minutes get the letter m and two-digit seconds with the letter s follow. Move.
6h17
